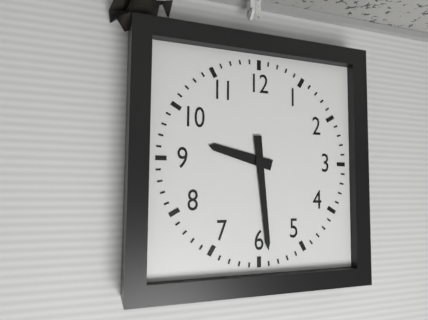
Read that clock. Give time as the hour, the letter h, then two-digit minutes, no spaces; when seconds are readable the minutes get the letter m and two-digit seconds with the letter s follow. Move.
9h29
